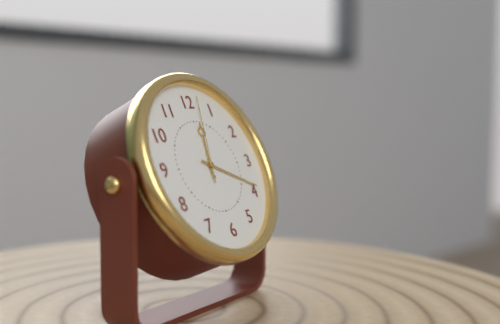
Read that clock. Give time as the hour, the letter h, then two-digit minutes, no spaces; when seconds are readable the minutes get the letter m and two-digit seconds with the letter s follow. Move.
12h19m02s
